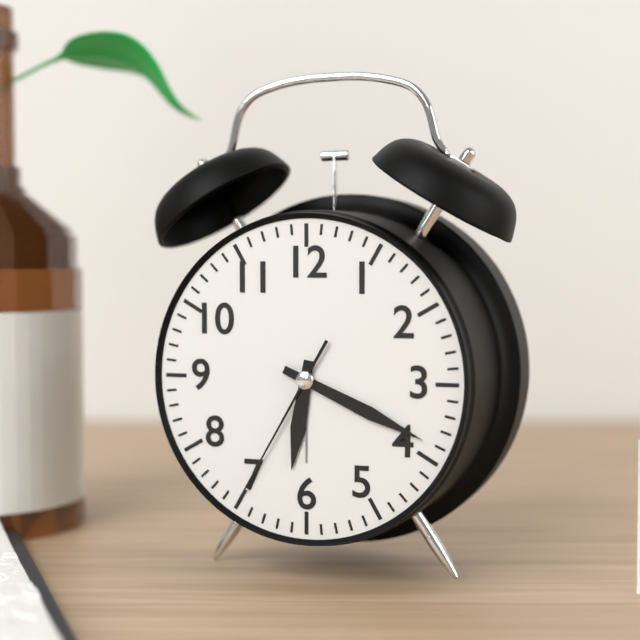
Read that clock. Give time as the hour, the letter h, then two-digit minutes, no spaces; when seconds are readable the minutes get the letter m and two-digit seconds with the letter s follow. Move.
6h19m35s
